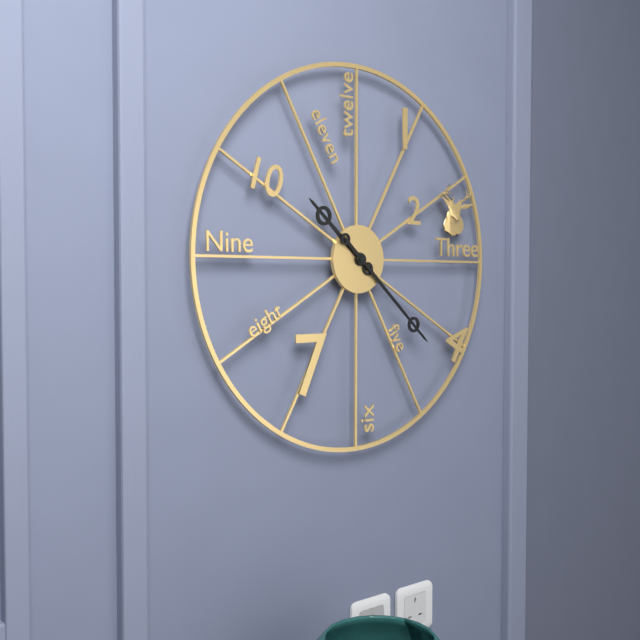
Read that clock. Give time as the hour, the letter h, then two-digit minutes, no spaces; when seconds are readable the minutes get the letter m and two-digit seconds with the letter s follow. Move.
10h22
